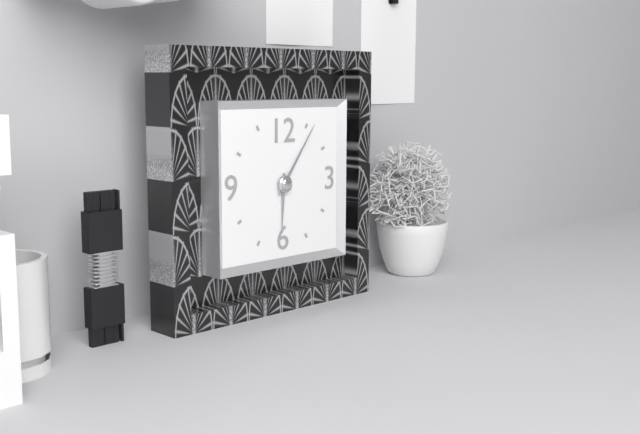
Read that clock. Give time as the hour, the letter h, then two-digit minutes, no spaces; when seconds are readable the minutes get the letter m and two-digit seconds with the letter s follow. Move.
6h06
